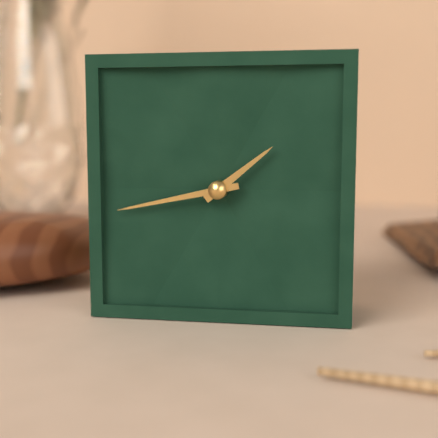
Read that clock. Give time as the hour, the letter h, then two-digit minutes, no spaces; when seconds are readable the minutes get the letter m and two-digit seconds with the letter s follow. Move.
1h43
